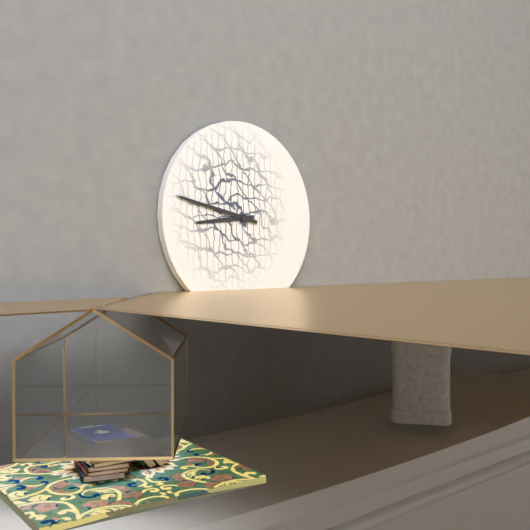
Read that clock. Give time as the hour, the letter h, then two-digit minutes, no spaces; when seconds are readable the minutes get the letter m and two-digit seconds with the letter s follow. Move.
8h47
